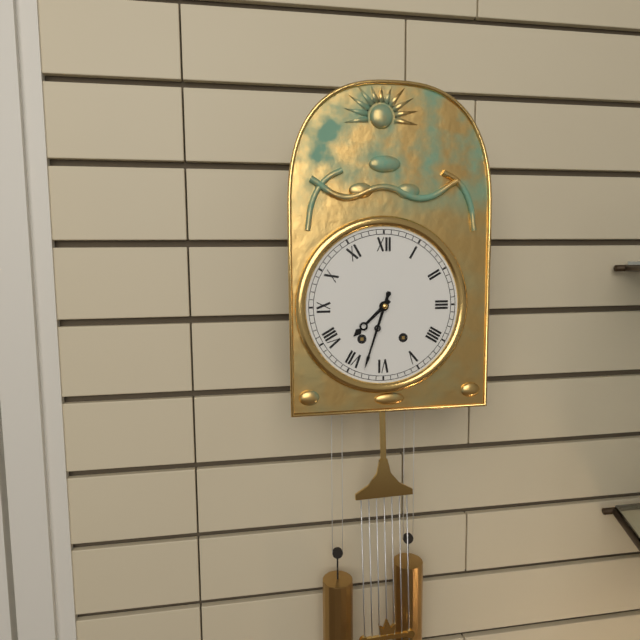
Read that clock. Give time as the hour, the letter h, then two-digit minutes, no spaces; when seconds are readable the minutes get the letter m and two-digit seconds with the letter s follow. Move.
7h33
